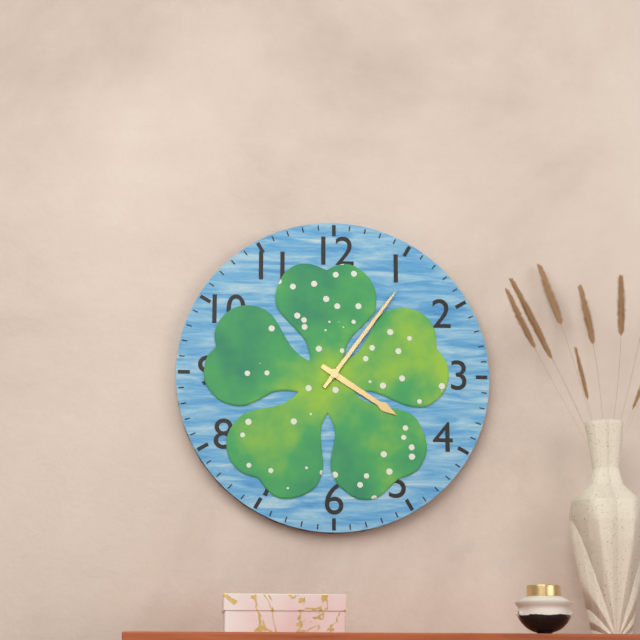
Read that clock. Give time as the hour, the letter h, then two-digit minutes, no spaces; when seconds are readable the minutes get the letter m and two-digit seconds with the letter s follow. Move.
4h06
